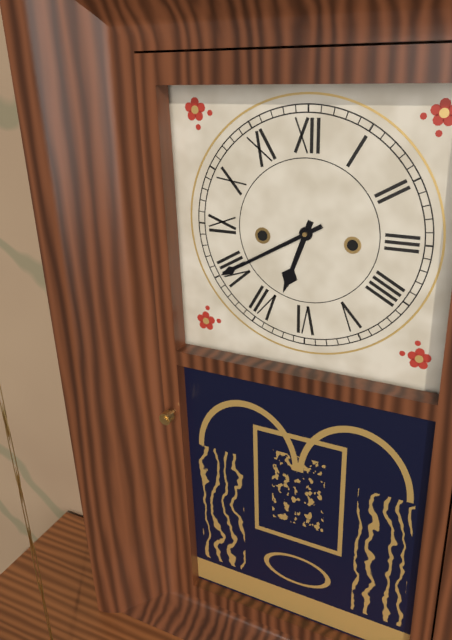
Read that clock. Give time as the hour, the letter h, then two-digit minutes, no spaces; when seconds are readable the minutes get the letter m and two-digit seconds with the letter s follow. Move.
6h40
